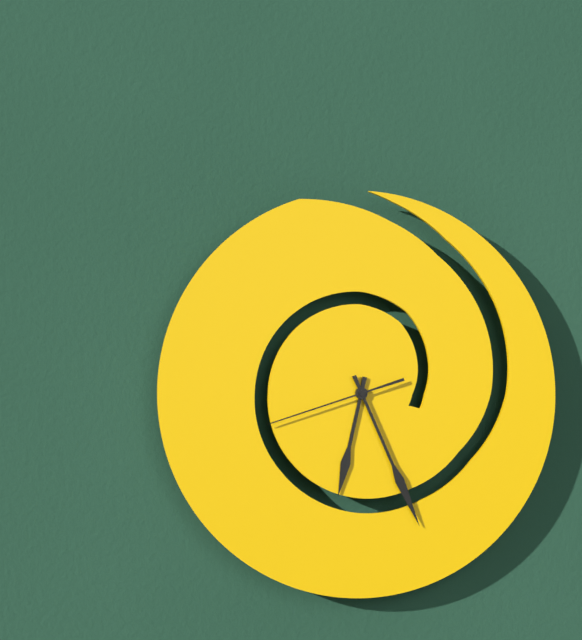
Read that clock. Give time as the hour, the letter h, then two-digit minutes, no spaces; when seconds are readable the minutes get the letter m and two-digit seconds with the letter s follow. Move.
6h26m42s
